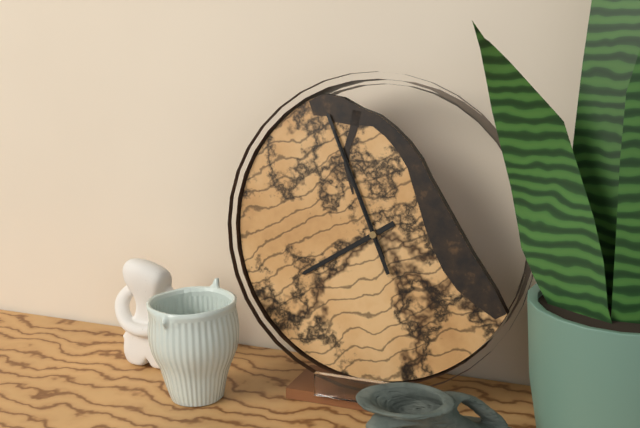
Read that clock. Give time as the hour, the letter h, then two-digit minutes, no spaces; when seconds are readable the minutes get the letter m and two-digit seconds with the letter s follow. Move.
7h56m56s
